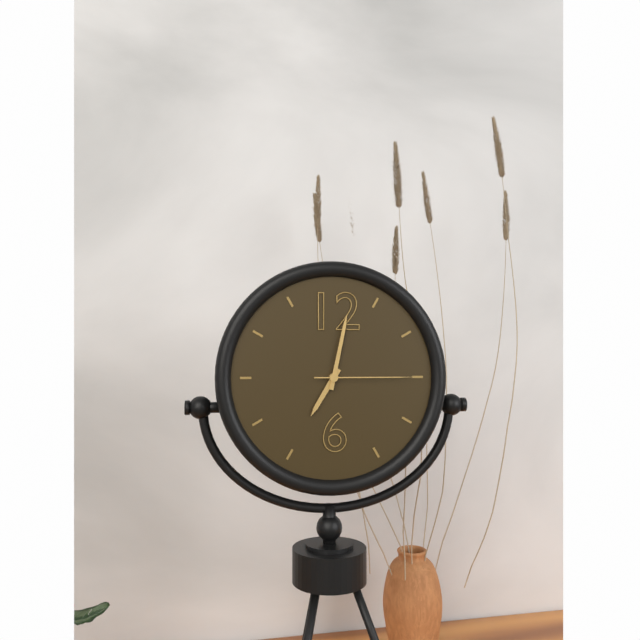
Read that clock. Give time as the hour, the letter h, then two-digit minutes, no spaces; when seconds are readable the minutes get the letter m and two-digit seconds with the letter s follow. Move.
7h02m15s
